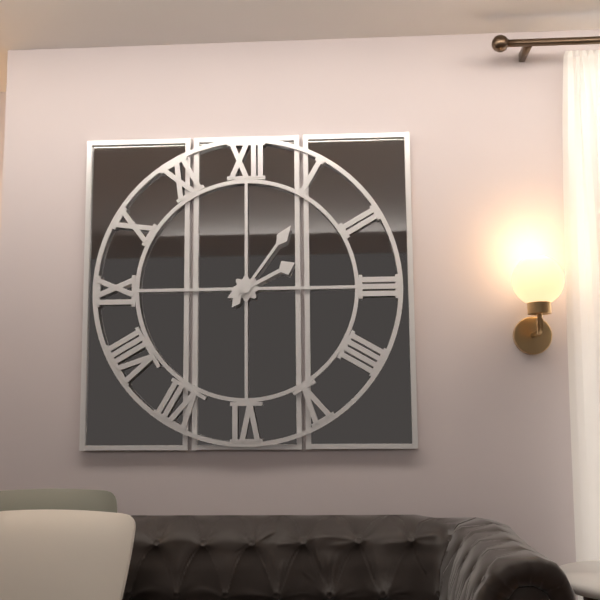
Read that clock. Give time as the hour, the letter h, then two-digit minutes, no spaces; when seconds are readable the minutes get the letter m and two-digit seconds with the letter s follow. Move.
2h06
